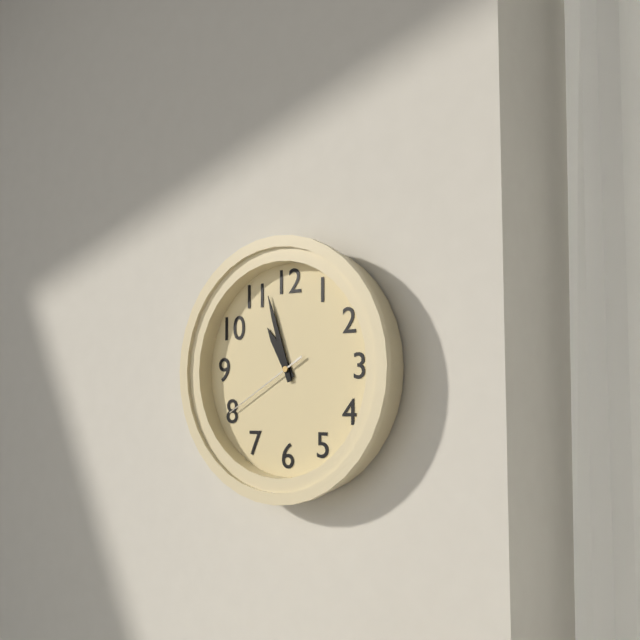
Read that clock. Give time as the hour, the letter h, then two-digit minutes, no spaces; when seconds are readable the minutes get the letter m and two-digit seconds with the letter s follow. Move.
10h57m40s
